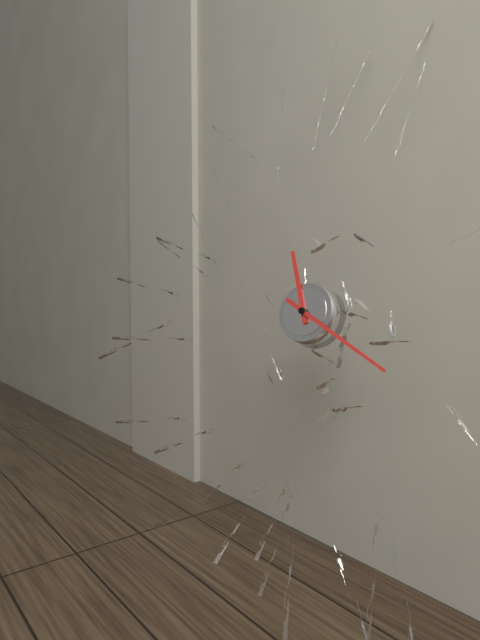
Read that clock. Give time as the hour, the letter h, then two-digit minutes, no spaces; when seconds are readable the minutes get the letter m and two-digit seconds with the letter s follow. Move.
11h20
